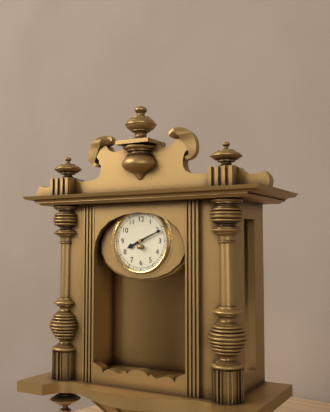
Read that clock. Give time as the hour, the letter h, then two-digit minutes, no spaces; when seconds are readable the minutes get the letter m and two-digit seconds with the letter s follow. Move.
8h11
